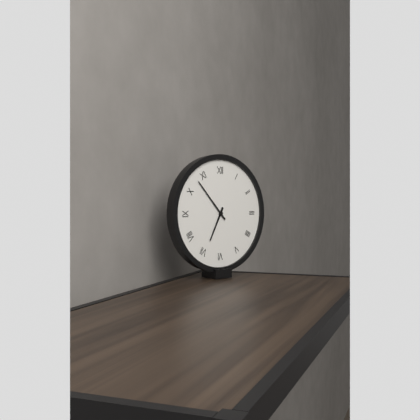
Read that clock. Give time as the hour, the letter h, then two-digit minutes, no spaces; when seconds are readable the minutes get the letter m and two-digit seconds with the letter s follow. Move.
6h53
